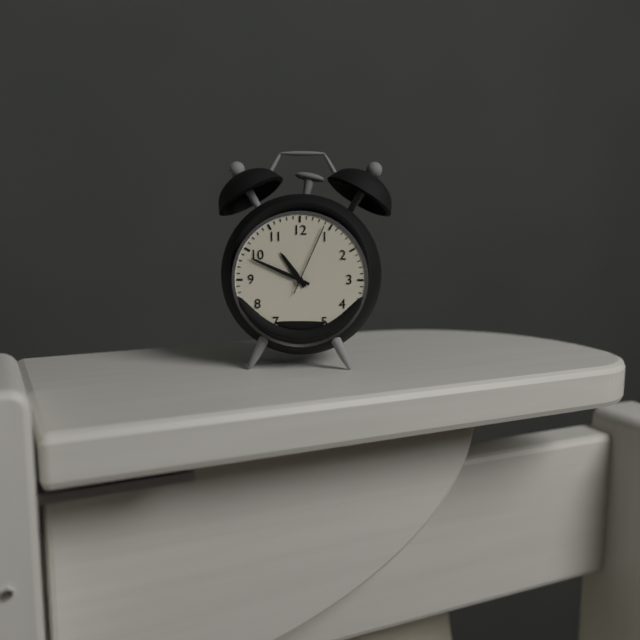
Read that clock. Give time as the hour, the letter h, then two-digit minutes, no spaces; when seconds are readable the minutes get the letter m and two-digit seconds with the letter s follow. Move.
10h49m04s
